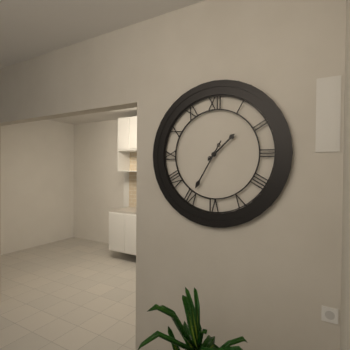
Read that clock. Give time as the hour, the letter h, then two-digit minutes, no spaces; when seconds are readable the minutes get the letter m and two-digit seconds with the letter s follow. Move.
1h35
